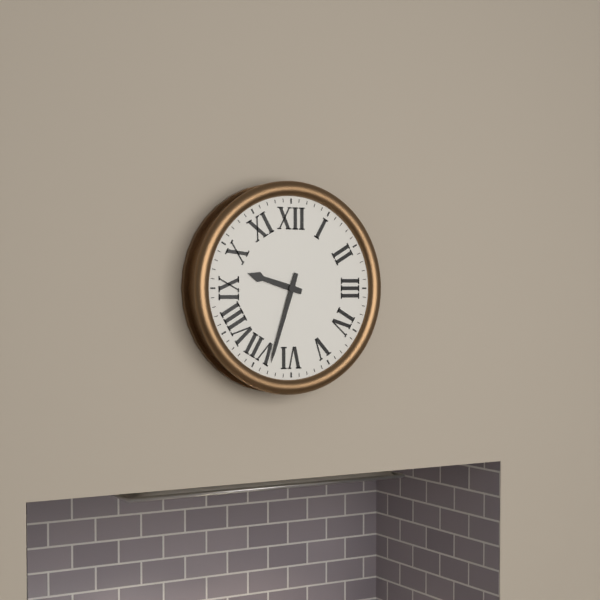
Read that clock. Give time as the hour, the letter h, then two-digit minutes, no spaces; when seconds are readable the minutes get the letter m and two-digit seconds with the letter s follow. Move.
9h33
